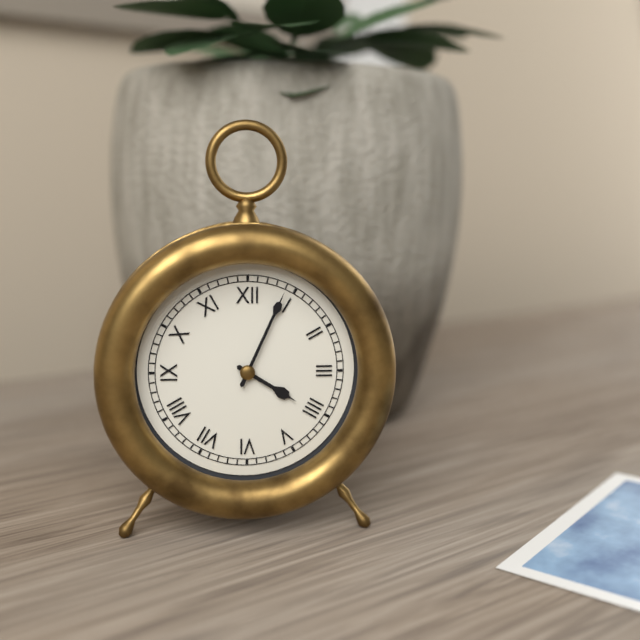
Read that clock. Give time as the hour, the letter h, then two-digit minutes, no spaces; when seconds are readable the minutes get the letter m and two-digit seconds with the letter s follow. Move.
4h04
